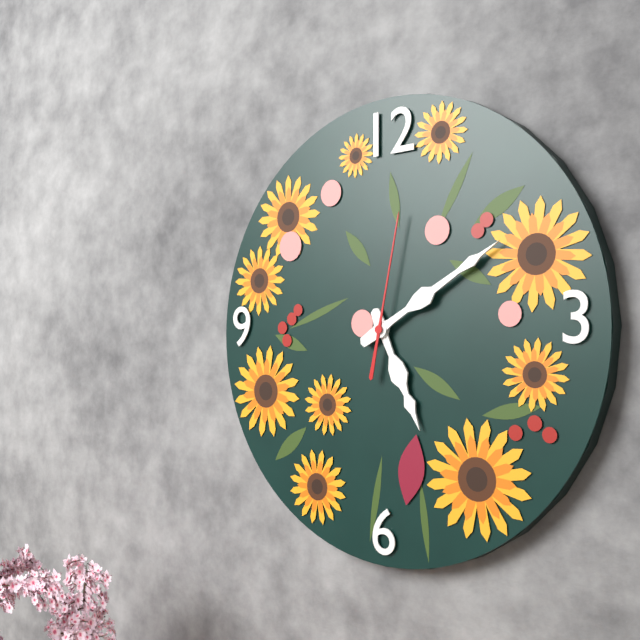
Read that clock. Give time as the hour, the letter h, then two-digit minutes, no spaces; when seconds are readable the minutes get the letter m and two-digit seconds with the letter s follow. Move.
5h10m02s
